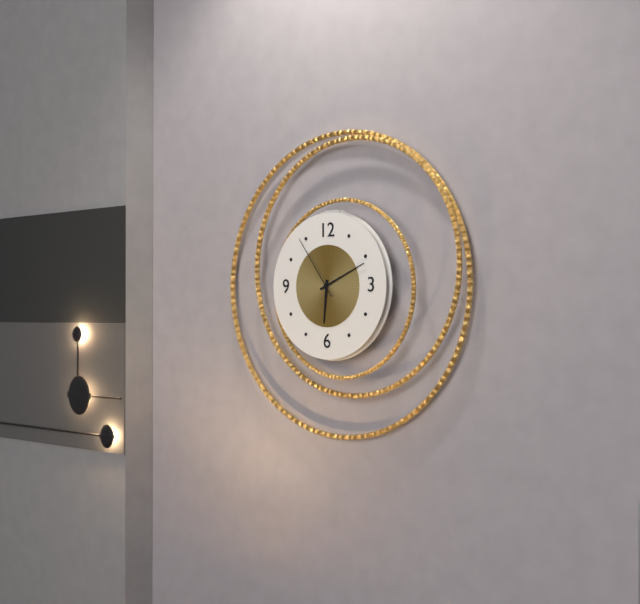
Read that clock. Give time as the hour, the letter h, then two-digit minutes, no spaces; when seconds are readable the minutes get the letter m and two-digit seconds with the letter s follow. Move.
6h11m54s
